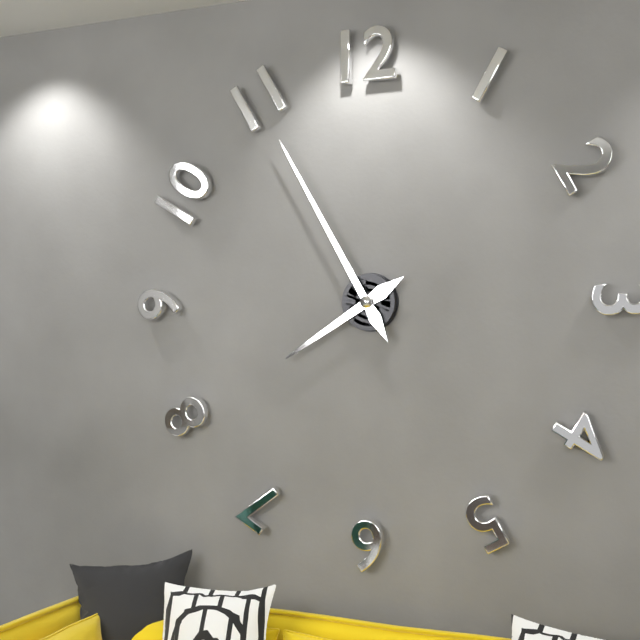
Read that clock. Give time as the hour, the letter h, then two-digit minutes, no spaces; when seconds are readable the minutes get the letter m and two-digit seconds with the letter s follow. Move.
7h55
